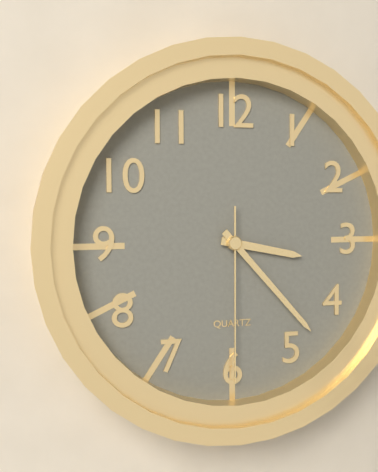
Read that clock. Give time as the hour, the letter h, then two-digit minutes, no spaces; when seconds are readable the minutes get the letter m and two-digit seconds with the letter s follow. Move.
3h23m30s
